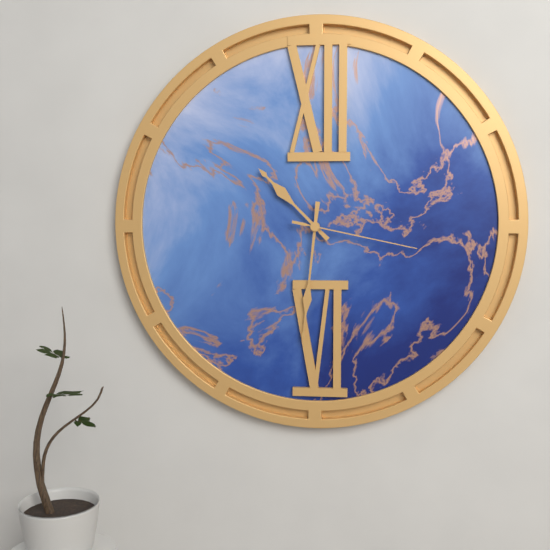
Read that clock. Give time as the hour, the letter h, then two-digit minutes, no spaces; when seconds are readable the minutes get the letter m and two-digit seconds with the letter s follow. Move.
10h31m17s
